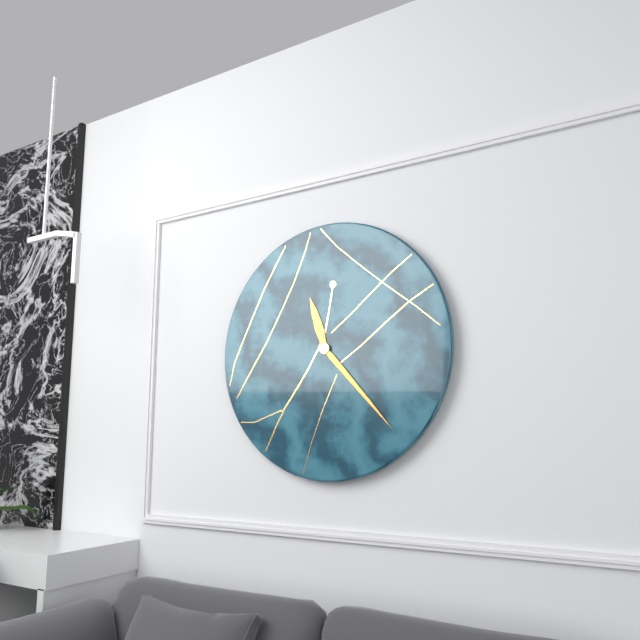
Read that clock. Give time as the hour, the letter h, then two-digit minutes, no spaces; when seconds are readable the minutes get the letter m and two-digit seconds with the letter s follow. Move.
11h23
